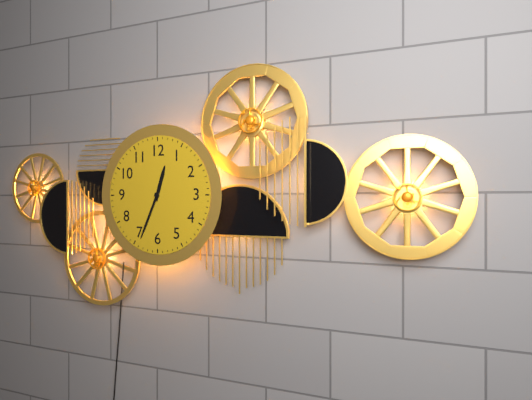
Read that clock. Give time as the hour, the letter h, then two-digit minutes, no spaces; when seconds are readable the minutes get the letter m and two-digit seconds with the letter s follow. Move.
12h34
